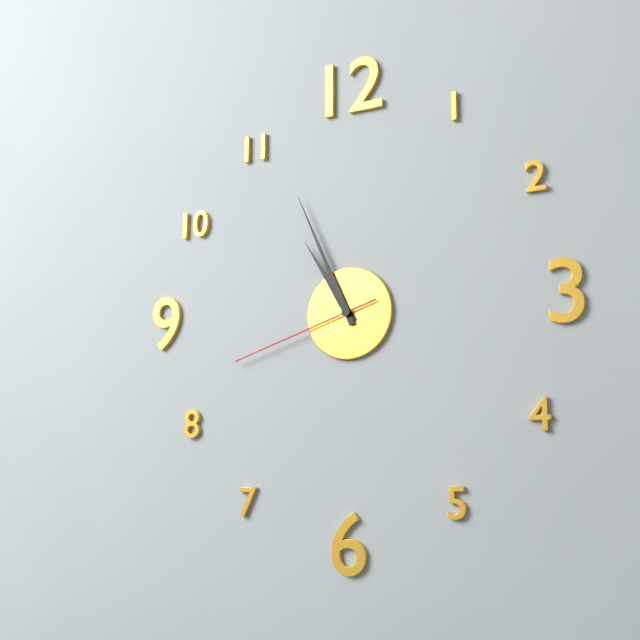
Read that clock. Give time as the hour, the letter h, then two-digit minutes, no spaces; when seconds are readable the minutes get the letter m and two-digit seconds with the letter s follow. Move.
10h56m42s
